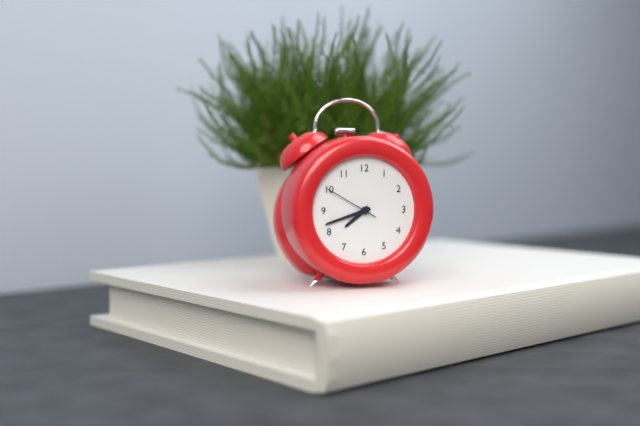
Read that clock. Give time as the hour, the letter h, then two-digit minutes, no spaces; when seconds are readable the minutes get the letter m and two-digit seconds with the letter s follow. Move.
7h42m50s
